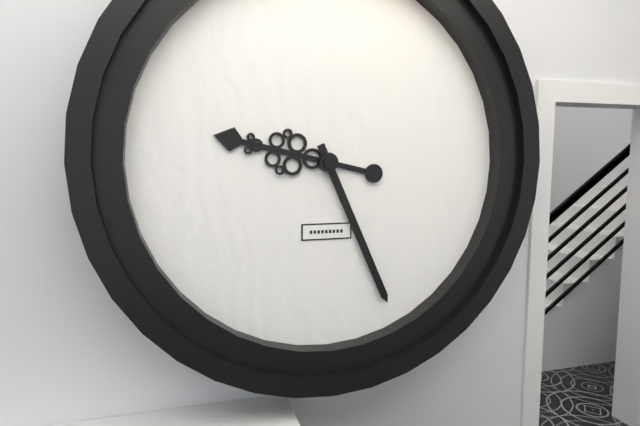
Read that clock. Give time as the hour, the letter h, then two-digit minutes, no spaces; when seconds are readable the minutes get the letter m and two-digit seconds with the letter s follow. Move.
9h26
